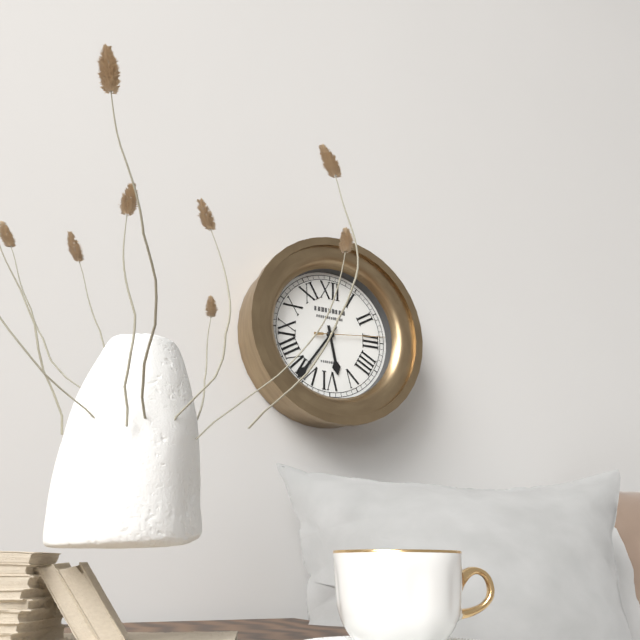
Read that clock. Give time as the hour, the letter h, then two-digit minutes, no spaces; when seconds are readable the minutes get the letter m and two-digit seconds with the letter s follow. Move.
5h36m14s
